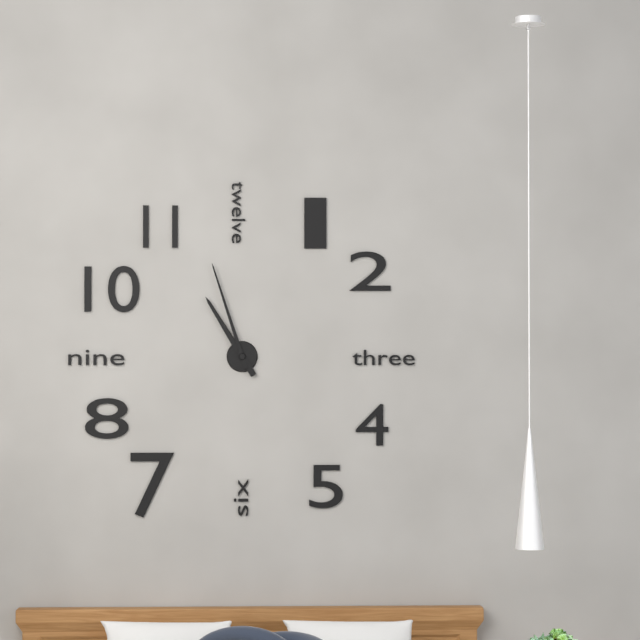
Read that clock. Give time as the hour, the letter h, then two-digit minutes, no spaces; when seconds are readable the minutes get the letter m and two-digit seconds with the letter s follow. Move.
10h57
